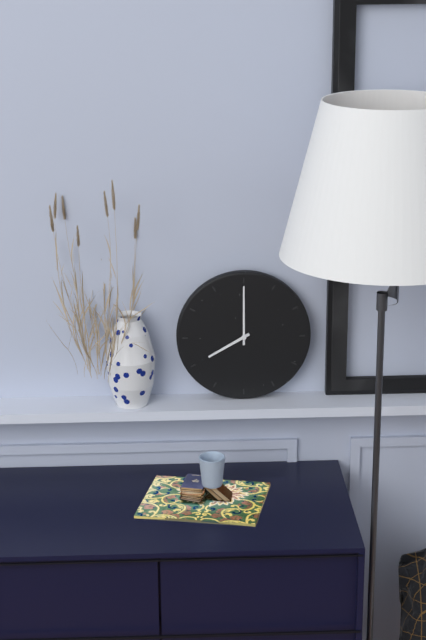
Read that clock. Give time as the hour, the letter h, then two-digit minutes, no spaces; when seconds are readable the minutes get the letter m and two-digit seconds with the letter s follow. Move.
8h00
